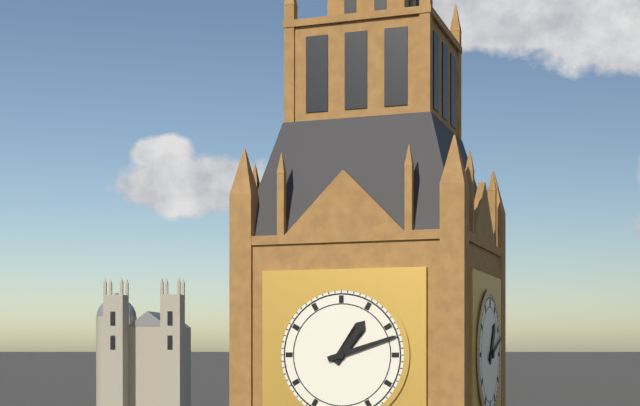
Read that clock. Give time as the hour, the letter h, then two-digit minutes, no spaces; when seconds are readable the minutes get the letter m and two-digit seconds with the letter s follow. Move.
1h12
